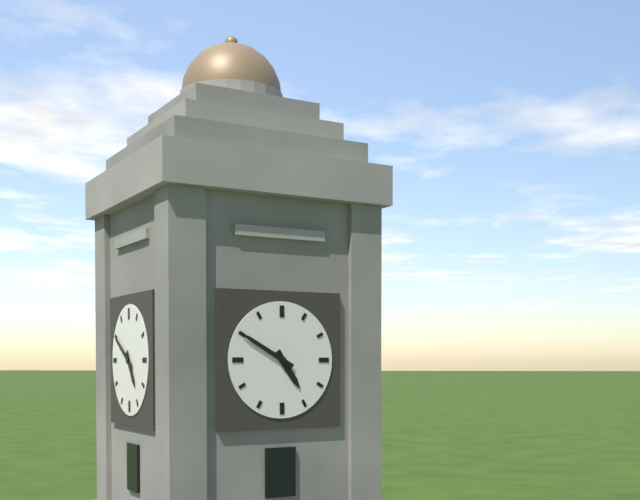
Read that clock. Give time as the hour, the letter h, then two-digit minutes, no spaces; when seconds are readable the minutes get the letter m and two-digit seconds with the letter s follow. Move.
4h50
